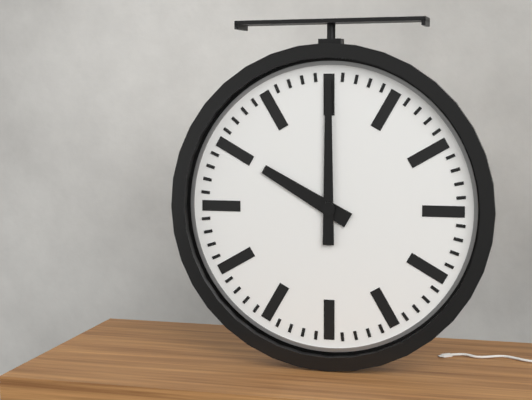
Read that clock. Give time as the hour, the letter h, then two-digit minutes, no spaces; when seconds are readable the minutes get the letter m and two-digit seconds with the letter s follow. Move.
10h00
